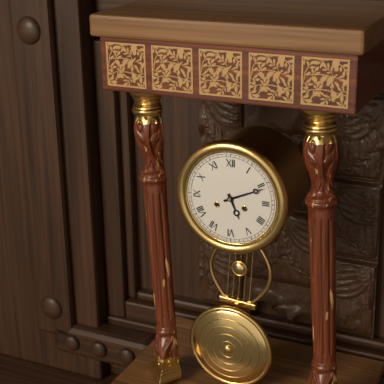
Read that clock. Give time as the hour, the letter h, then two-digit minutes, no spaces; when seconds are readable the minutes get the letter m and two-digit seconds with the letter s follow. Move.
5h11
